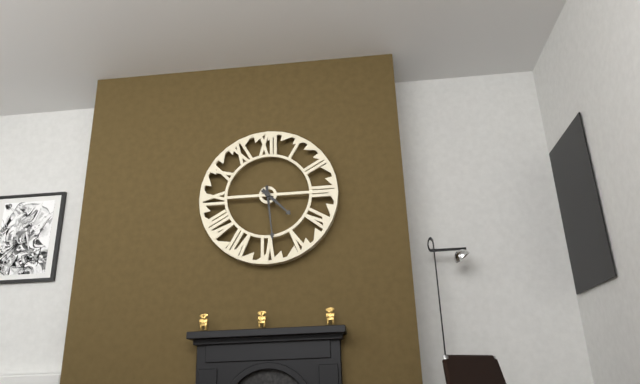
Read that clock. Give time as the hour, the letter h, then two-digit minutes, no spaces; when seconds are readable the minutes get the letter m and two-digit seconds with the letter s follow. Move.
4h29
